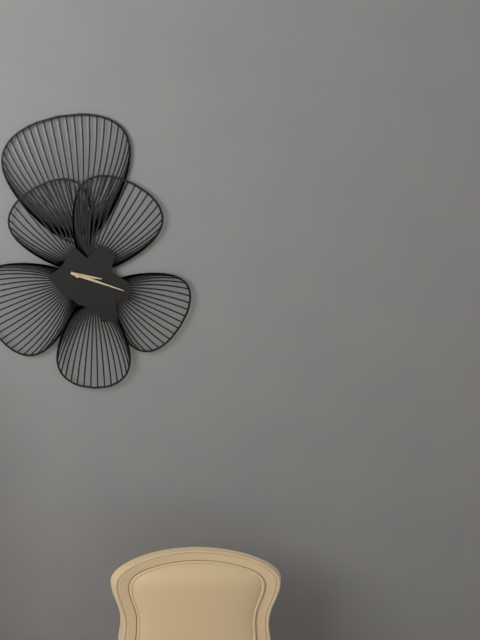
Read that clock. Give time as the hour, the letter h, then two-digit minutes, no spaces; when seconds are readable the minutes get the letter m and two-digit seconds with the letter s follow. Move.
3h18
